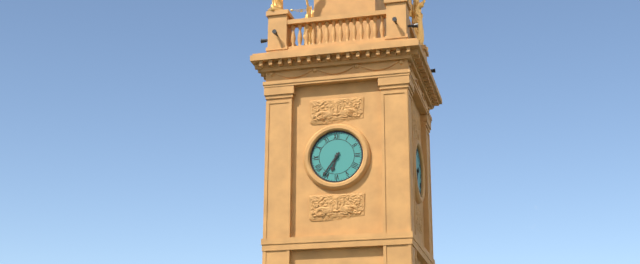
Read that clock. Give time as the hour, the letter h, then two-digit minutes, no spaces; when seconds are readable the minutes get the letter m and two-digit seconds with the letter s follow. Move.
6h36
